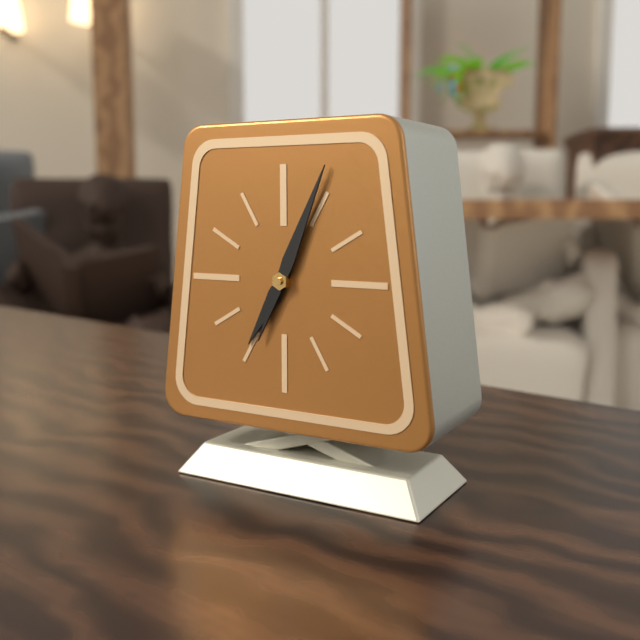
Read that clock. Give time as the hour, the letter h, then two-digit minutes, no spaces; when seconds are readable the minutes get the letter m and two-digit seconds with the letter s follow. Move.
7h04
